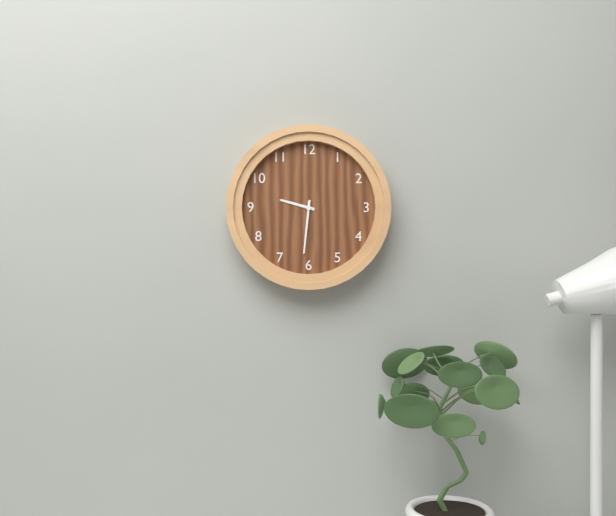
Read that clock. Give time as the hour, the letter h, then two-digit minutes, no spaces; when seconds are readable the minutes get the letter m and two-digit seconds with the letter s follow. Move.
9h31
